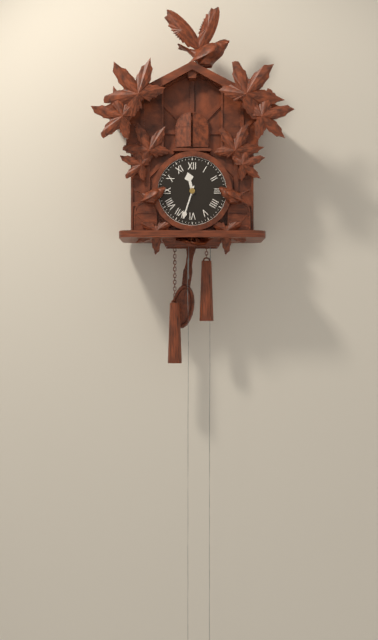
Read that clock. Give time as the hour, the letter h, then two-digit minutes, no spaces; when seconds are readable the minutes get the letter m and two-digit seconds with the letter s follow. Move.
11h33
